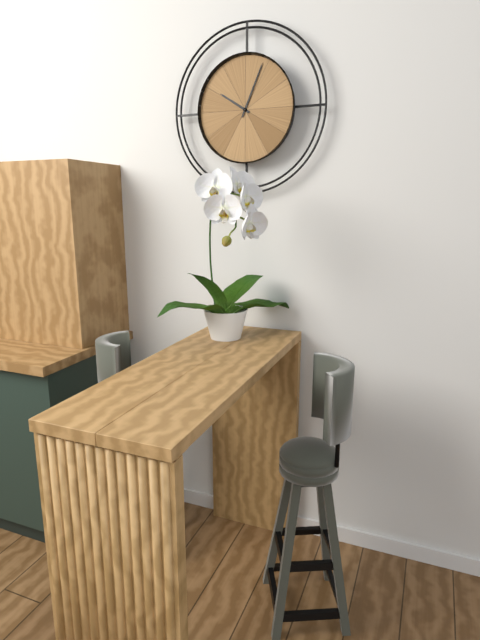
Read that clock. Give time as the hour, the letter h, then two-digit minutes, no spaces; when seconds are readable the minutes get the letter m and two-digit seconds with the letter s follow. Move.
10h04
